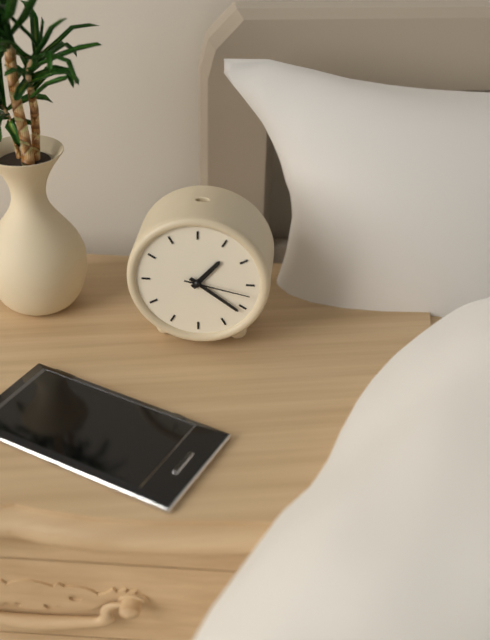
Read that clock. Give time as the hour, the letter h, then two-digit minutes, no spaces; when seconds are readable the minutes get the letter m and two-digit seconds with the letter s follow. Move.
1h21m17s
